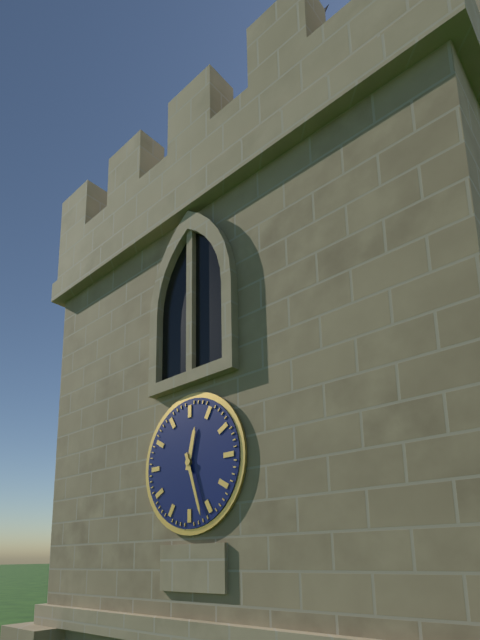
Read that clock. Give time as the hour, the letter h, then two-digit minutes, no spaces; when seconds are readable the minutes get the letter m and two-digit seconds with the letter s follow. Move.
12h27
